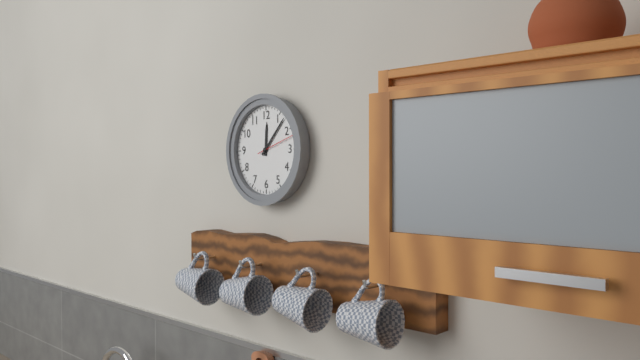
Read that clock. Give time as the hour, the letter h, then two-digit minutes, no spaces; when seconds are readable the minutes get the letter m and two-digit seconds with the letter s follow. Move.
12h07
